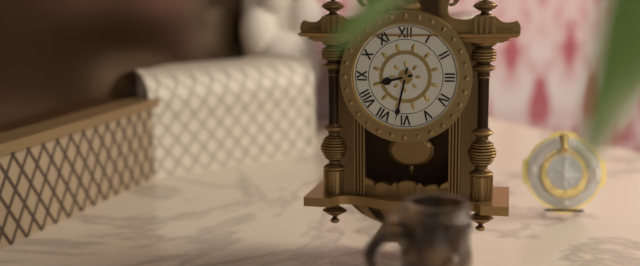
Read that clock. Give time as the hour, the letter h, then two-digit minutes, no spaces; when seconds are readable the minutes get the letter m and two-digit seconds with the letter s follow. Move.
8h32
